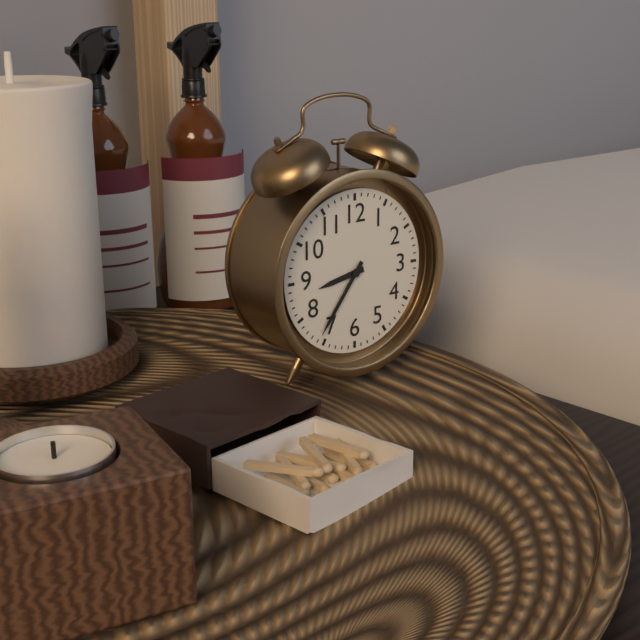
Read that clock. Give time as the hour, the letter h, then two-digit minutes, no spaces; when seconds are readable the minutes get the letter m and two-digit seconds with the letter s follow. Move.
8h36
